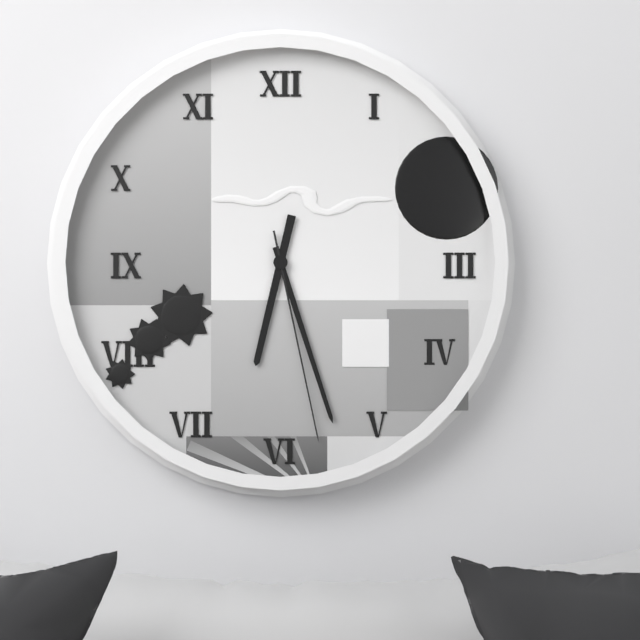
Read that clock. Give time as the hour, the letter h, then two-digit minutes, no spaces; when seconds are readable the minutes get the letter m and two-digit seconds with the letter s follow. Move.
6h27m28s
